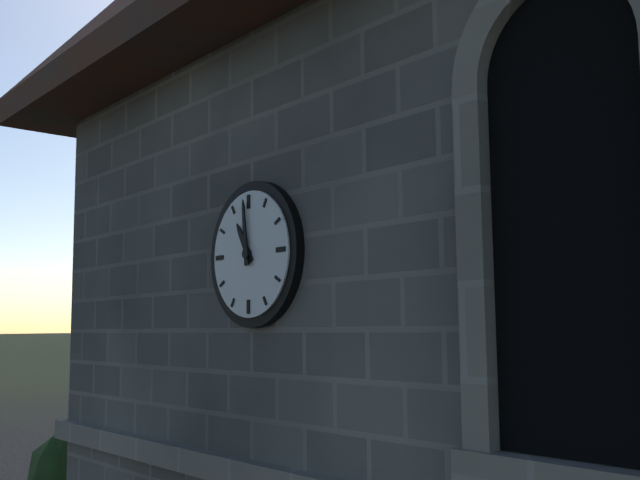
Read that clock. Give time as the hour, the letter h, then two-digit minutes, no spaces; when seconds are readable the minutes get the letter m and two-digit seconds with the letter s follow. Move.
10h59
